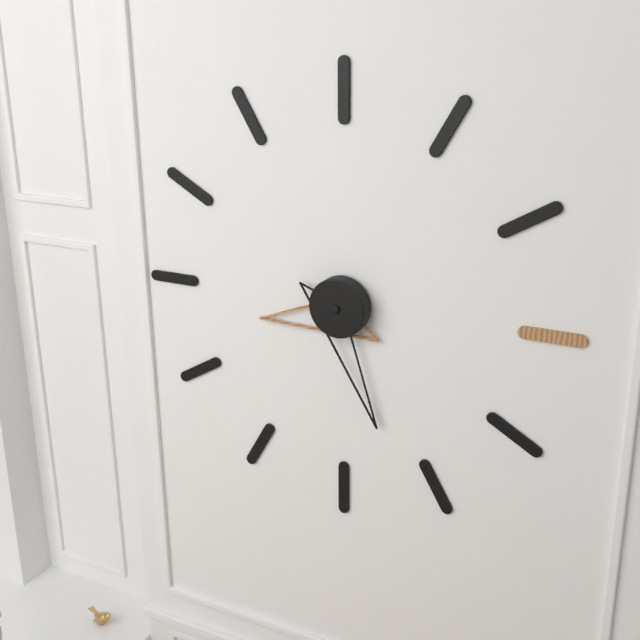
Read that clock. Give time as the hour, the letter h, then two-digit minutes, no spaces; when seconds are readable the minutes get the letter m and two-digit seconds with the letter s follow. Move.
8h27
